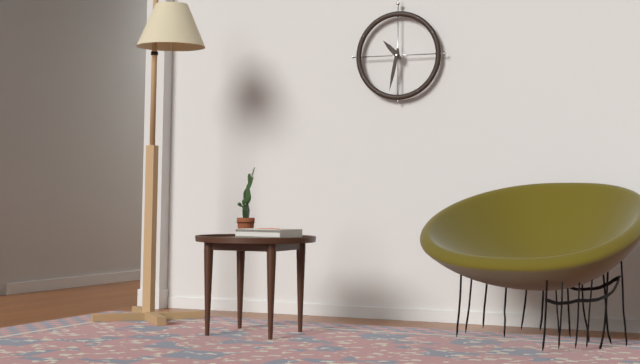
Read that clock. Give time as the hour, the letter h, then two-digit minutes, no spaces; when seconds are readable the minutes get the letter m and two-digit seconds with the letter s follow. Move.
10h32
